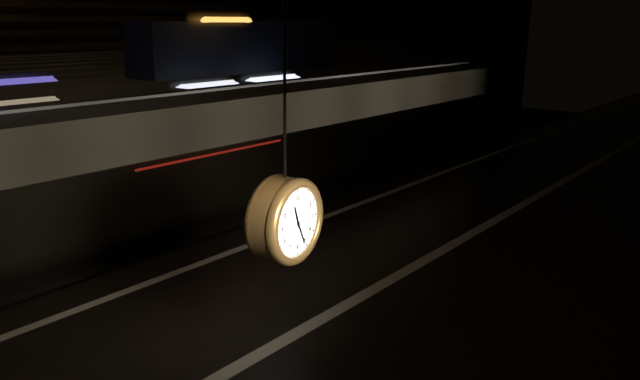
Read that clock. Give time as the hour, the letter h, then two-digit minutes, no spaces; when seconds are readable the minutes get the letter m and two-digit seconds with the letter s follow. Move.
11h26
